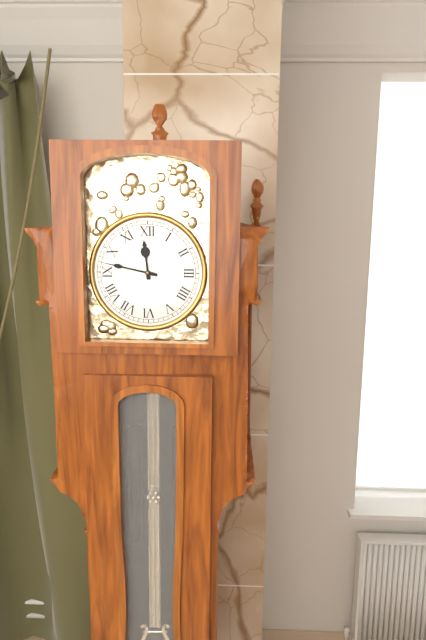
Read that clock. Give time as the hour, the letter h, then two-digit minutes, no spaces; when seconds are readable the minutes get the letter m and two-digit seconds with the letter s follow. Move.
11h47
